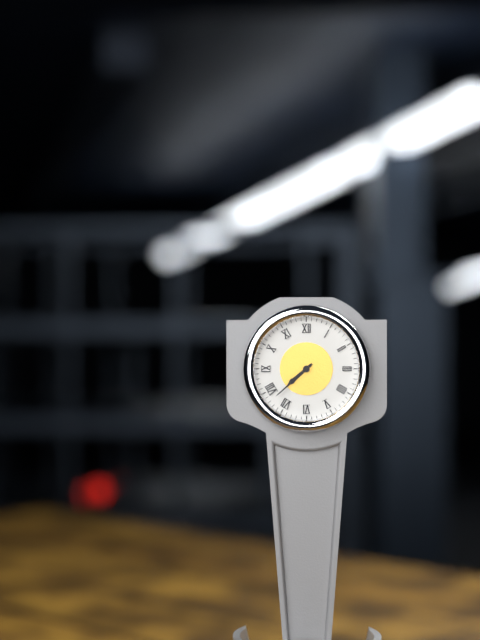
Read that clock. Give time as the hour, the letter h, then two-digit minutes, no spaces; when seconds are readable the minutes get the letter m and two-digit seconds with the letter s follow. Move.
7h38
